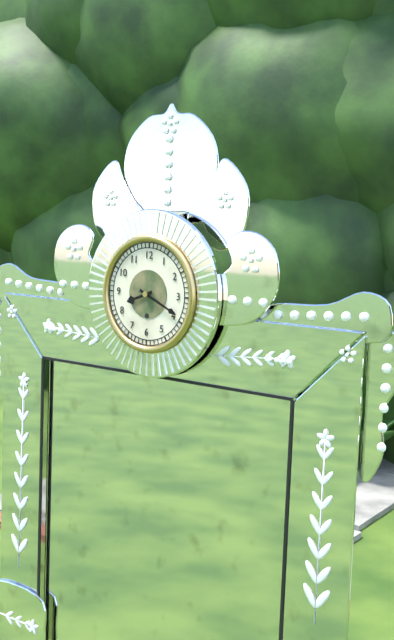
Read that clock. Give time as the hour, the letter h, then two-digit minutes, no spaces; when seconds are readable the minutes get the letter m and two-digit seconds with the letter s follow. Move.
8h19
